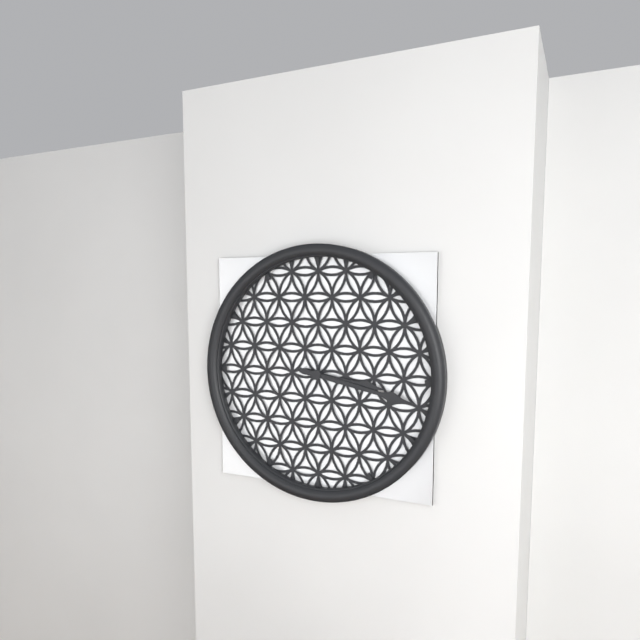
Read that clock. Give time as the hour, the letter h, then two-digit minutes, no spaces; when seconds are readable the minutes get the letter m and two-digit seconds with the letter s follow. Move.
3h17
